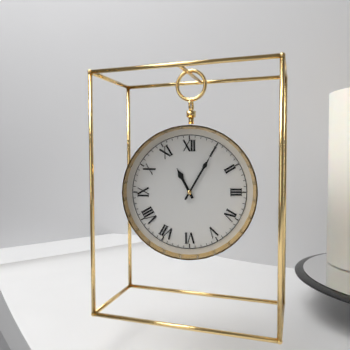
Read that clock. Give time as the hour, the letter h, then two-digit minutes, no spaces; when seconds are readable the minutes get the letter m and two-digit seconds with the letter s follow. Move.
11h05
